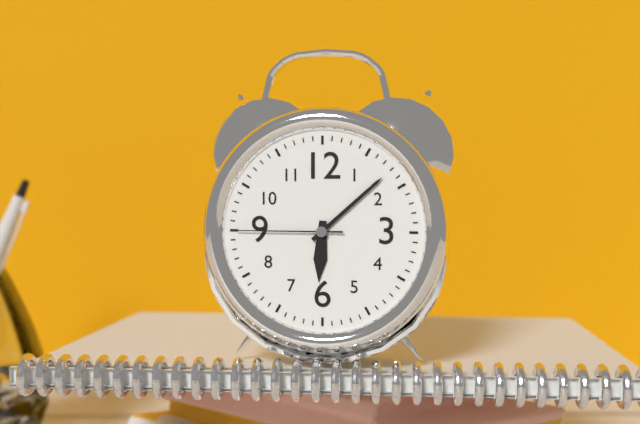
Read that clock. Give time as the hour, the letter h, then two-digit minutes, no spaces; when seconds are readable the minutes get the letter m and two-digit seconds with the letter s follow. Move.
6h08m45s
